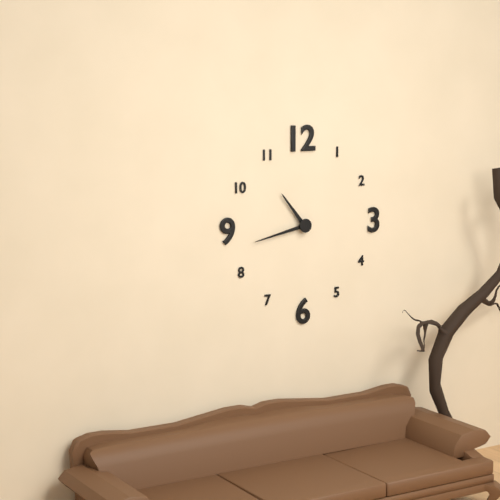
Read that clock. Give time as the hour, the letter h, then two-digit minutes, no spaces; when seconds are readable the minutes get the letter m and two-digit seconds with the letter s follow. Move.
10h43
